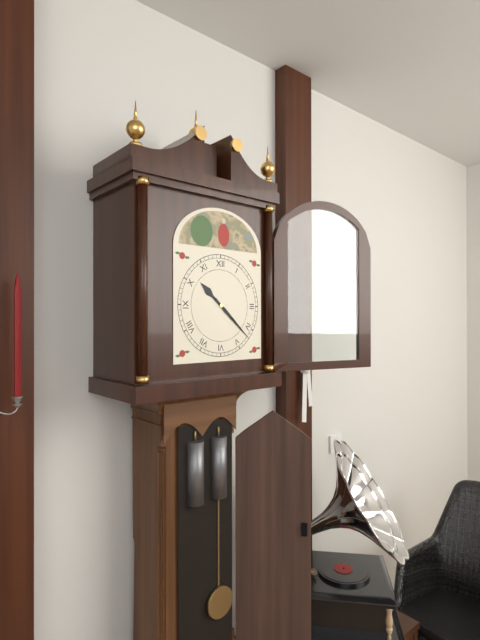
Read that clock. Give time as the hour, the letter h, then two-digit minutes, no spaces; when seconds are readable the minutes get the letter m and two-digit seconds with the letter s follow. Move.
10h22
